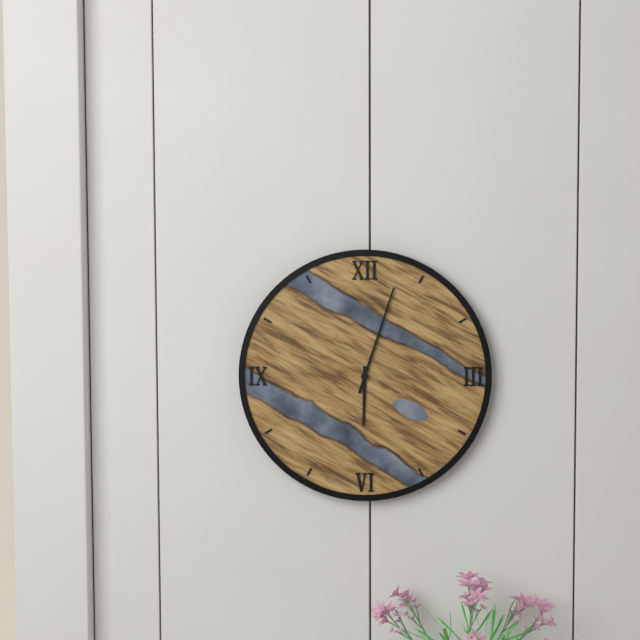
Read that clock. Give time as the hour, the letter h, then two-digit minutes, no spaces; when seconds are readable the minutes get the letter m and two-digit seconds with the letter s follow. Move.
6h03
